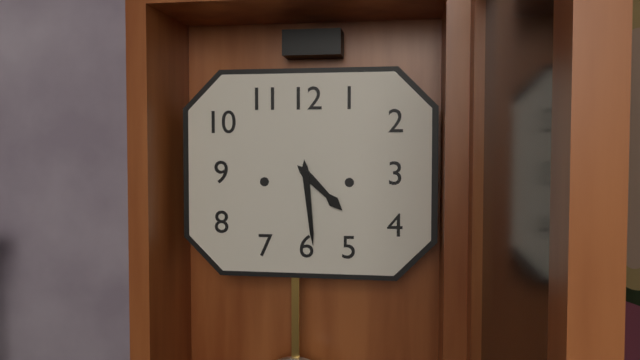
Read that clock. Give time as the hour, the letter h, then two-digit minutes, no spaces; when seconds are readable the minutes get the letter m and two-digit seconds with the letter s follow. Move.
4h29
